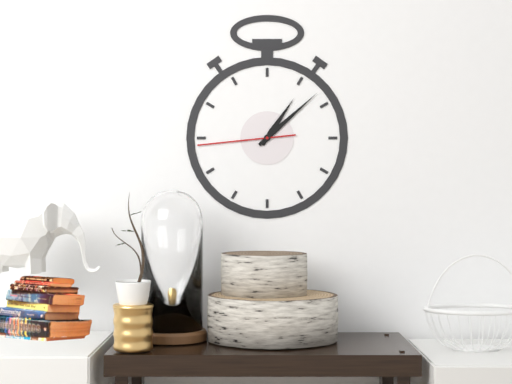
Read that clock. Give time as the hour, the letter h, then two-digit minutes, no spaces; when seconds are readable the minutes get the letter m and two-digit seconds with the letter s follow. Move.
1h08m44s
